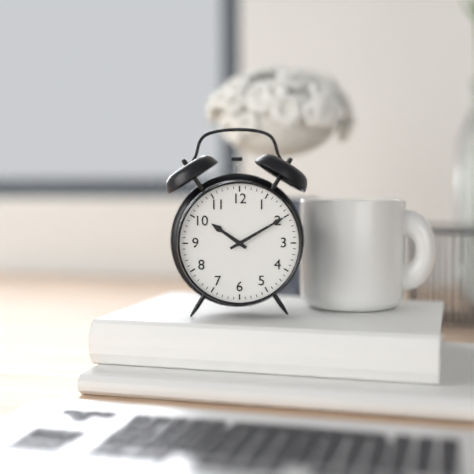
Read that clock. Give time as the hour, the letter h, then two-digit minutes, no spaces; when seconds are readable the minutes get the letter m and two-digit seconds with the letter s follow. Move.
10h10
